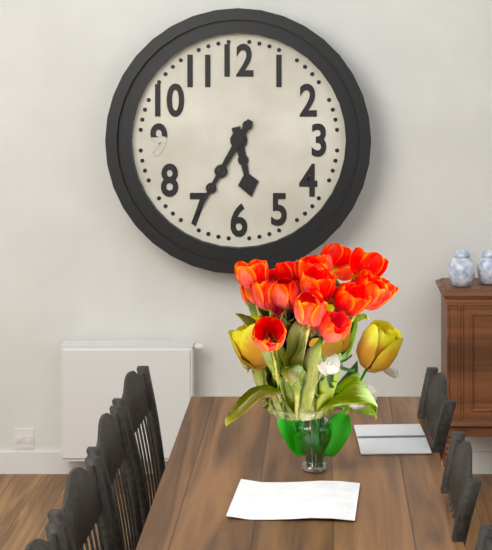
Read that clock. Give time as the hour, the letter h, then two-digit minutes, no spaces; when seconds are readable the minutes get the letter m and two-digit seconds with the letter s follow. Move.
5h35
